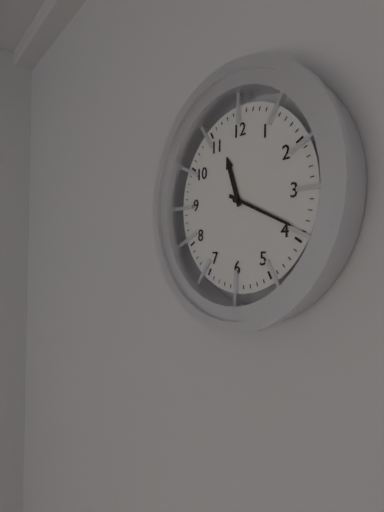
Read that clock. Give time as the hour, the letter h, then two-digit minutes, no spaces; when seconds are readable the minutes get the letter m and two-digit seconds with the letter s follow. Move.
11h19
